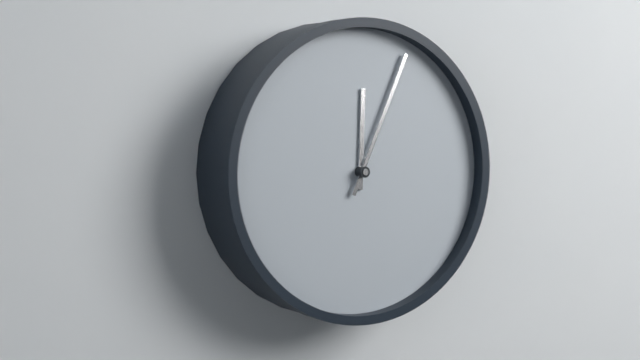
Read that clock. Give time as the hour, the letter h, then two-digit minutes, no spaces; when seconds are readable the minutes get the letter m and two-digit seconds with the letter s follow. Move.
12h04
